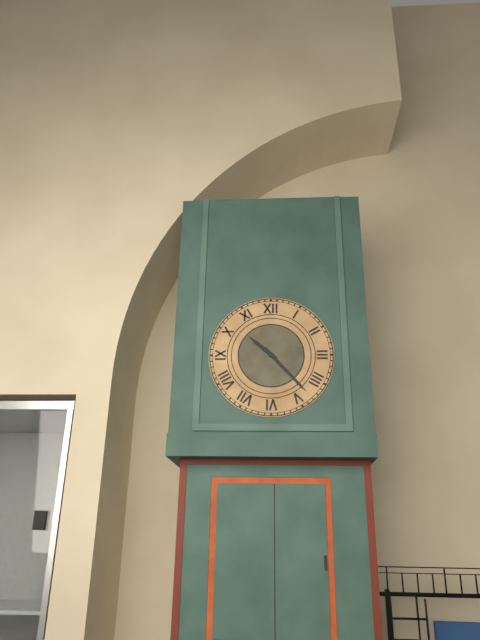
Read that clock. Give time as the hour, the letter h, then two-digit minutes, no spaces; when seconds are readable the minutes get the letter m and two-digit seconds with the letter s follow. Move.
10h23
